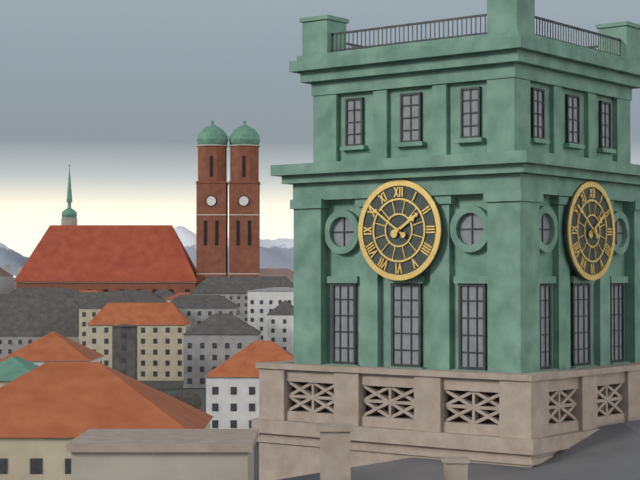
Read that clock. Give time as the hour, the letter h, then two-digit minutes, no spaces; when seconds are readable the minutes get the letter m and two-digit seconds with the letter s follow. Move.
1h51
